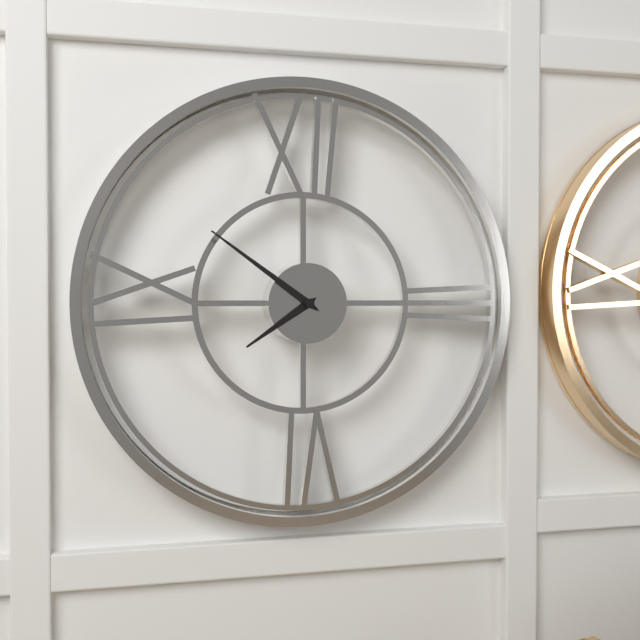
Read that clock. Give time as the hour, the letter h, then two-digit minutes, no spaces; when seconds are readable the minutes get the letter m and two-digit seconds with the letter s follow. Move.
7h51
